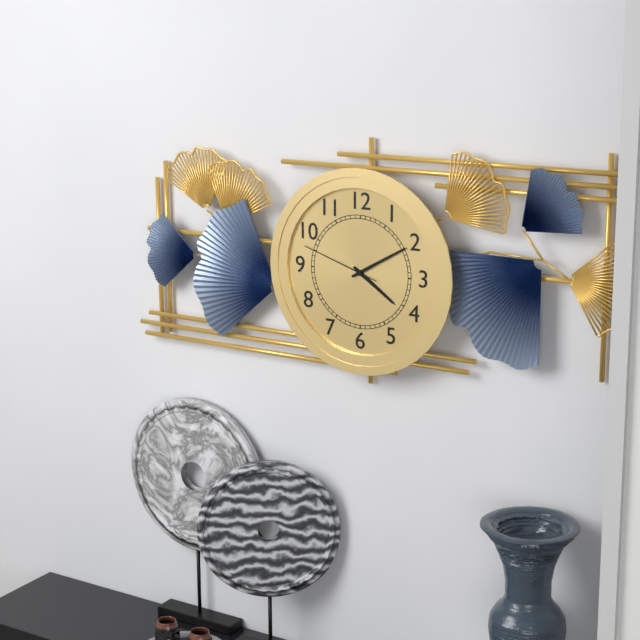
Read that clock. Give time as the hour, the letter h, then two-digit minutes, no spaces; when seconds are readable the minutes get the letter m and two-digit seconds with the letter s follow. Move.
4h10m48s
